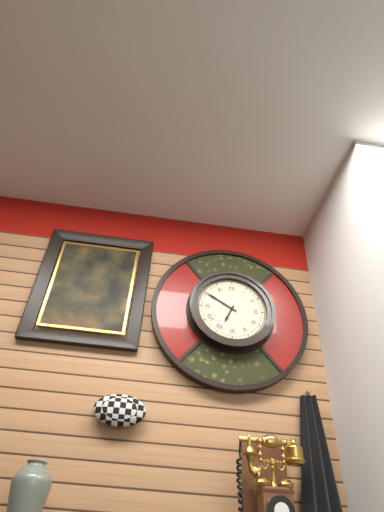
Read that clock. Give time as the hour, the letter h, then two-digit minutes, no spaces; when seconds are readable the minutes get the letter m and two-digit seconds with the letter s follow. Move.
6h50
